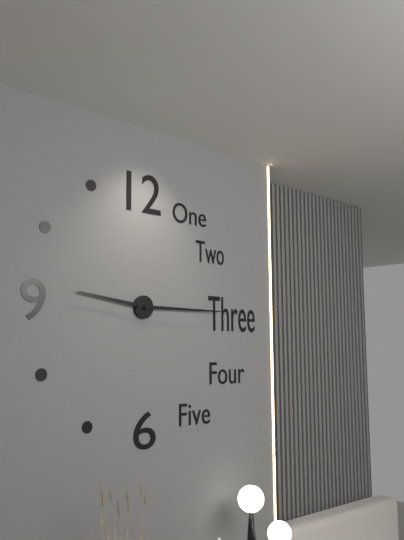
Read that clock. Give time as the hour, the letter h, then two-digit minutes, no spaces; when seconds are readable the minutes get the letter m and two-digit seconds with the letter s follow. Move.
9h15
